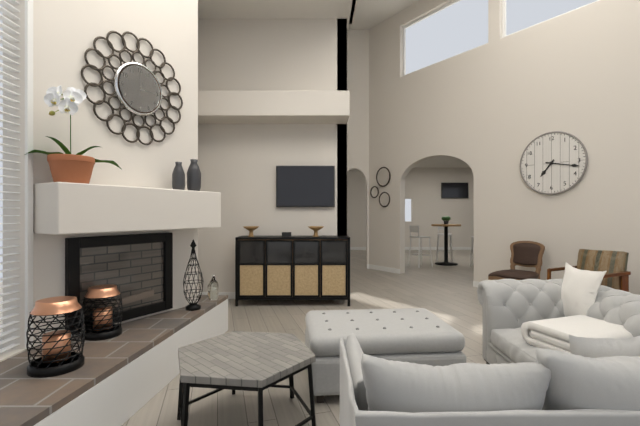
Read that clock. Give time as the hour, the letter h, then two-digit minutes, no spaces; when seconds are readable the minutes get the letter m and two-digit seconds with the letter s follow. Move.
7h17
